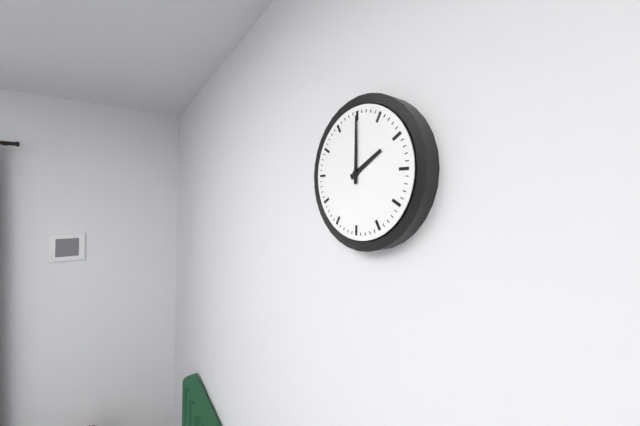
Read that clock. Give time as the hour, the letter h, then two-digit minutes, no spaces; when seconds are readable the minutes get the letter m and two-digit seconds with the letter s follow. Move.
2h00
